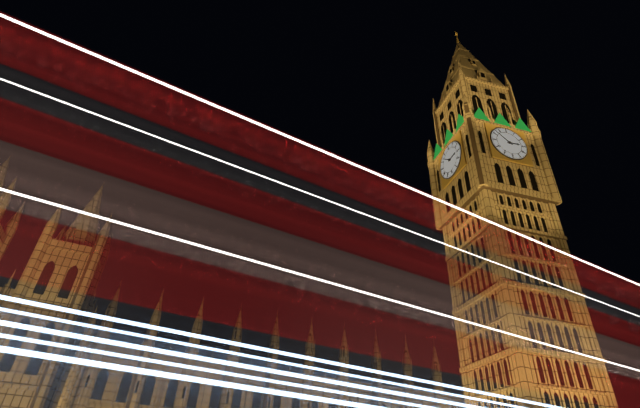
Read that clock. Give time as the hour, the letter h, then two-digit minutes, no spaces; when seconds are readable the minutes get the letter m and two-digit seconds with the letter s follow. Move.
2h52
